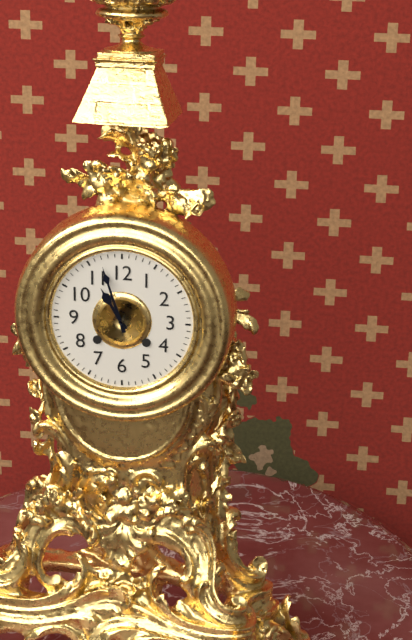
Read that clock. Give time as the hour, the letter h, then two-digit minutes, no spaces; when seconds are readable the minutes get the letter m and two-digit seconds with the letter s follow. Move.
10h57
